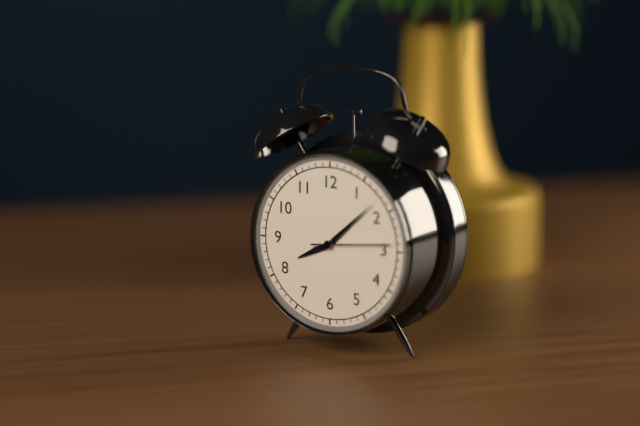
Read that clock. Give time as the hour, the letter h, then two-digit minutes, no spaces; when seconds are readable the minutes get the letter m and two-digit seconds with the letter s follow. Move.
8h08m14s
